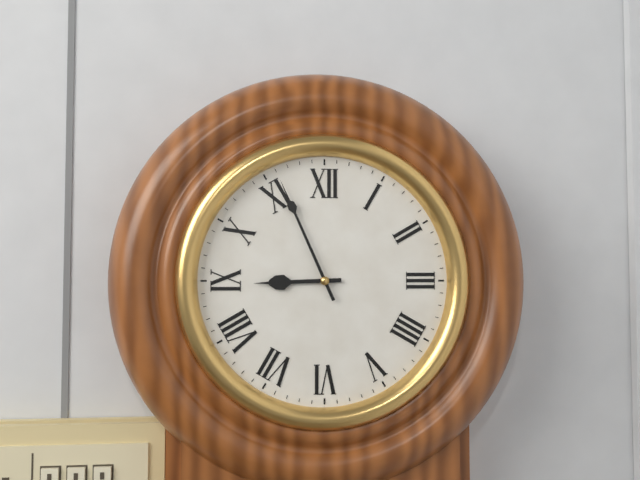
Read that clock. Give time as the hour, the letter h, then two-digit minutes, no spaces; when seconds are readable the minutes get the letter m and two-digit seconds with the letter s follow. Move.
8h56
